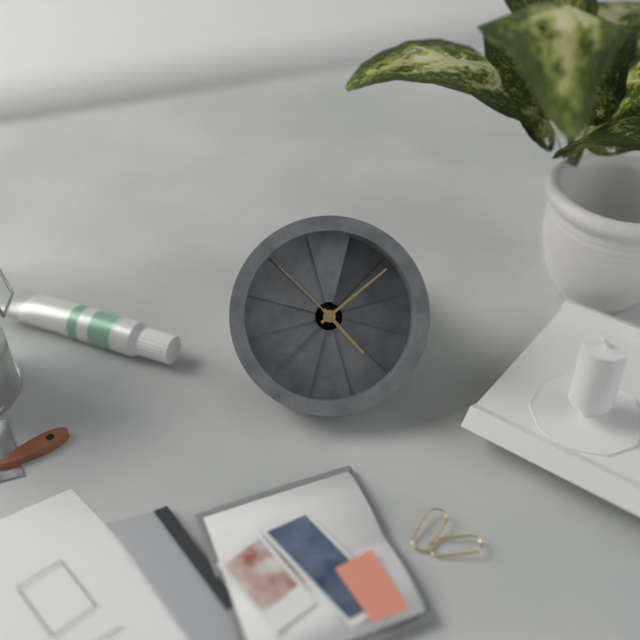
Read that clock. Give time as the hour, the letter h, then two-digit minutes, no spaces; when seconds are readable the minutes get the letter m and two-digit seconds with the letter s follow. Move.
4h06m50s
